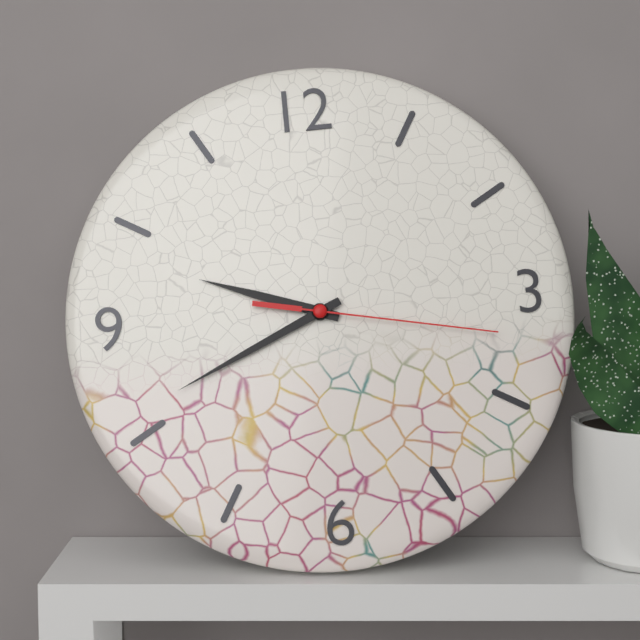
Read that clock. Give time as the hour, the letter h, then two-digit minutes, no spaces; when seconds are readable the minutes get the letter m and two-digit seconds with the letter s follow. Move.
9h41m17s
